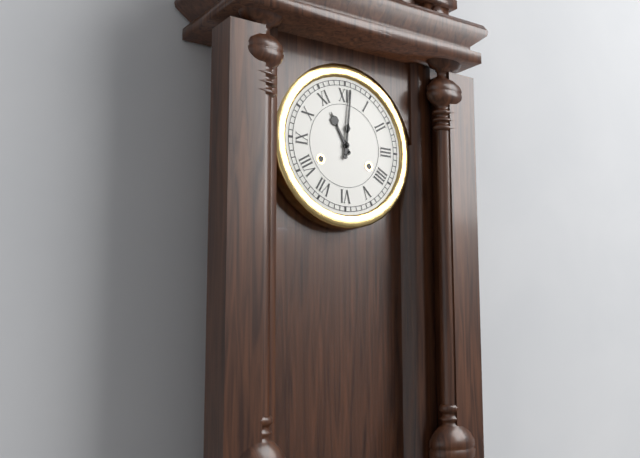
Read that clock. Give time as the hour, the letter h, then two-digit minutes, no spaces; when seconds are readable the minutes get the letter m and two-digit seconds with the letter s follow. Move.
11h01
